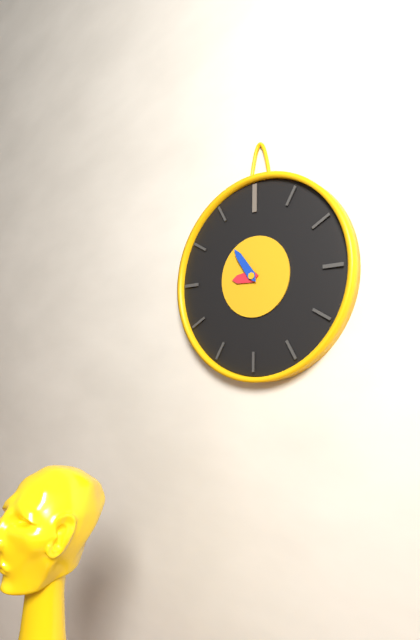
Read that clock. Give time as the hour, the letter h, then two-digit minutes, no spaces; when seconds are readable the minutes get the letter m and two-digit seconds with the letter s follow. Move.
8h54
